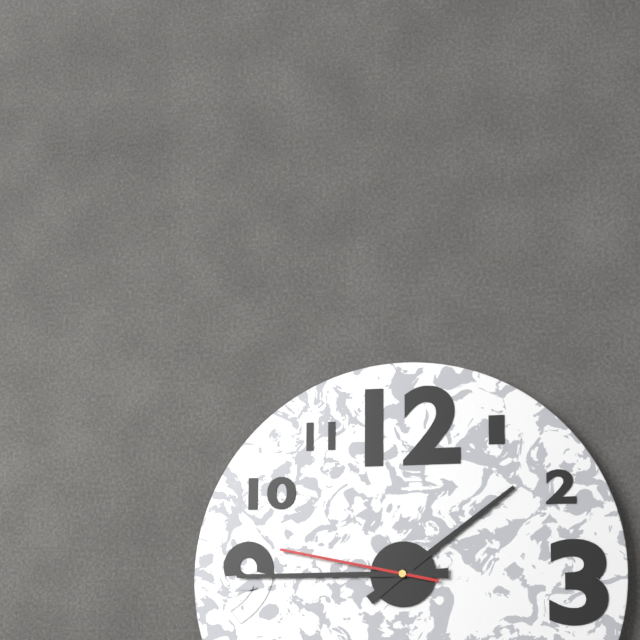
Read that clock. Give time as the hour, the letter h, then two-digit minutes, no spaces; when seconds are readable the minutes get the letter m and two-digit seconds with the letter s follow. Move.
1h45m47s
